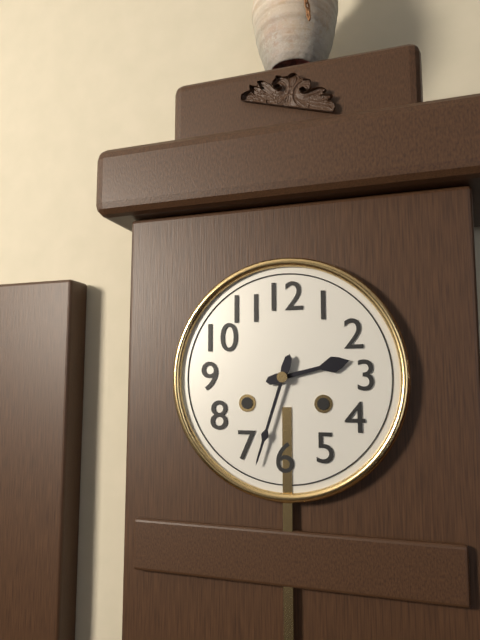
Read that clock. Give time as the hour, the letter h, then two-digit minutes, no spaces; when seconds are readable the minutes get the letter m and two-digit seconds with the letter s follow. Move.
2h33
